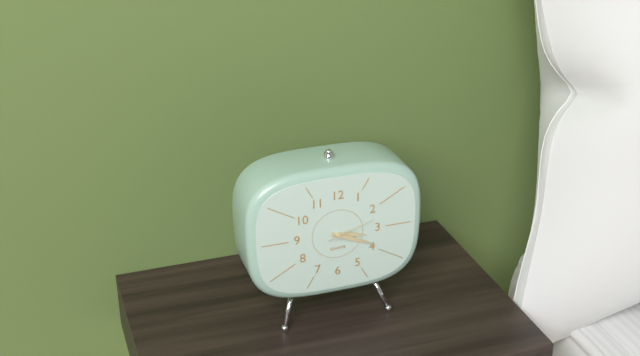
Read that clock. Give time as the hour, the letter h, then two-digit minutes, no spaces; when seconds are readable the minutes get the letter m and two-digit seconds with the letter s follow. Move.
3h19
